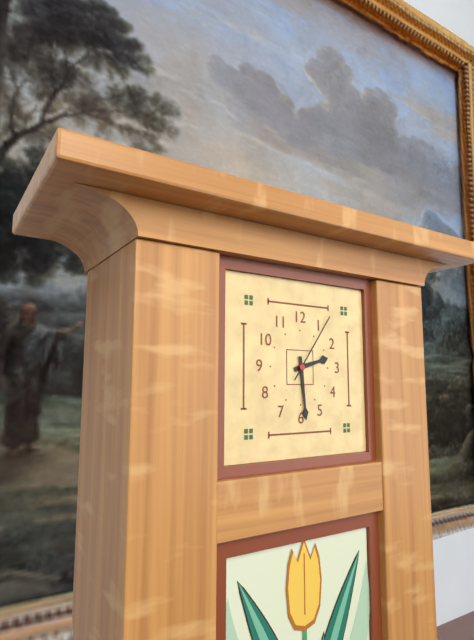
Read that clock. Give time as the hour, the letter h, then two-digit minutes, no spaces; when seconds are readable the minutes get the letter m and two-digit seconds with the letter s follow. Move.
2h29m06s
